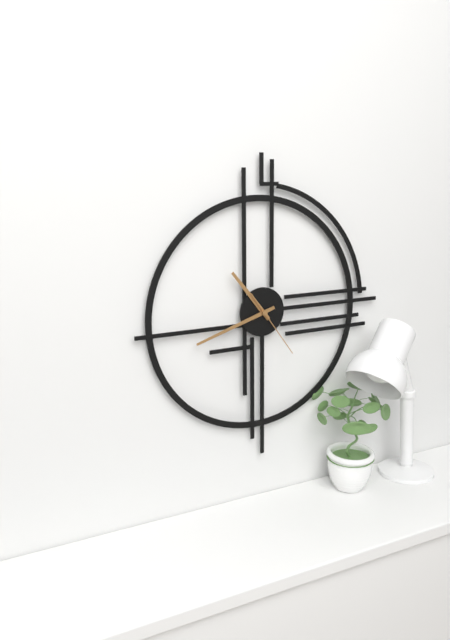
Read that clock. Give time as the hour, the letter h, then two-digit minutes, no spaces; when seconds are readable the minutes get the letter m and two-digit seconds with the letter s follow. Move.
10h42m24s
